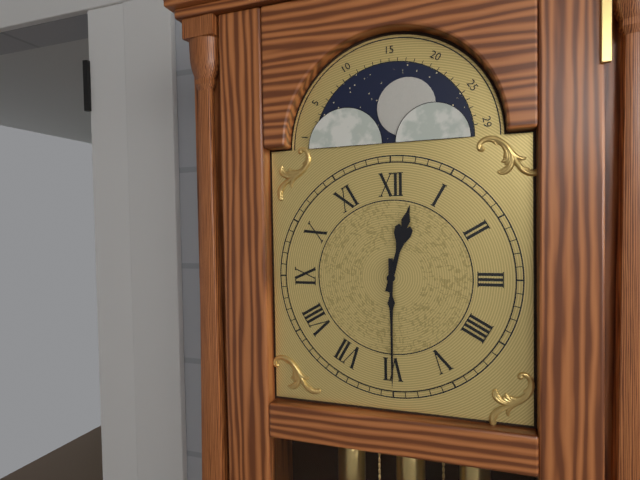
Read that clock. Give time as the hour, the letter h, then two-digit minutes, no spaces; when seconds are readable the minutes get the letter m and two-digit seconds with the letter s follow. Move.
12h30
